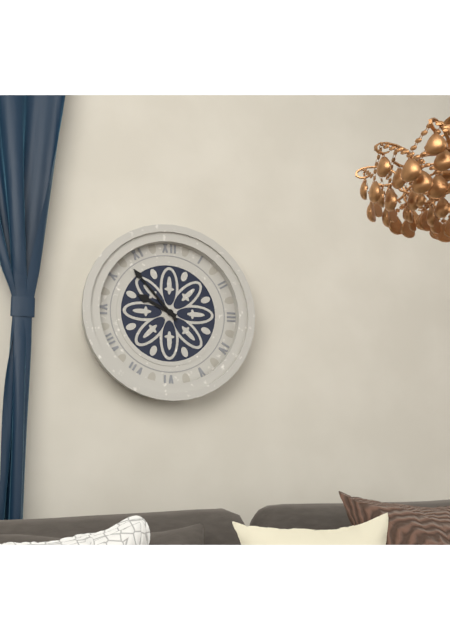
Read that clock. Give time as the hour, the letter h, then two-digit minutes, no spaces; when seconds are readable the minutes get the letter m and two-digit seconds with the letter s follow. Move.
9h53
